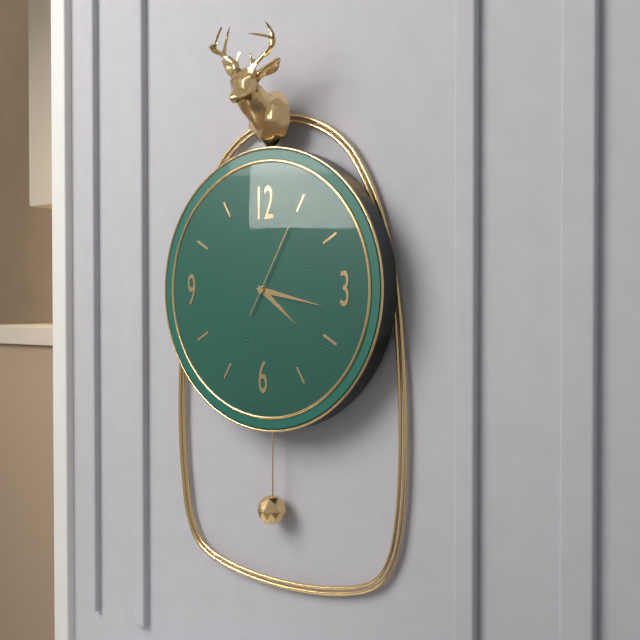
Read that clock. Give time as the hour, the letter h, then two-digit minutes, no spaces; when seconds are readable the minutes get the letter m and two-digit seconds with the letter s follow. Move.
4h17m05s
